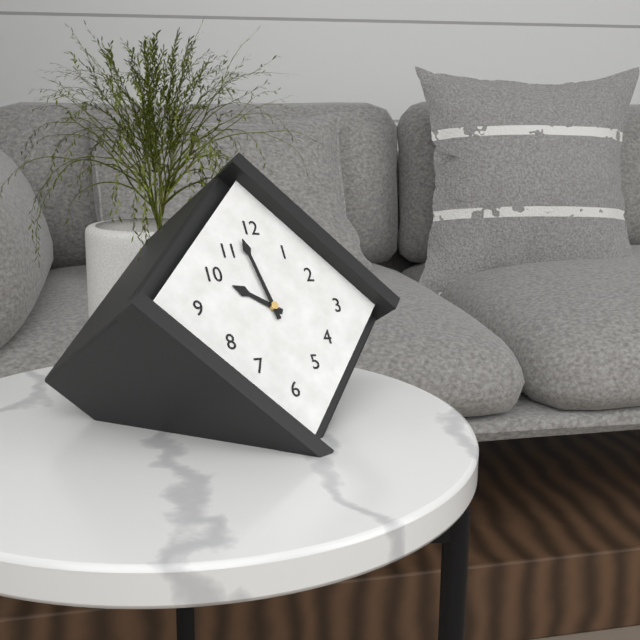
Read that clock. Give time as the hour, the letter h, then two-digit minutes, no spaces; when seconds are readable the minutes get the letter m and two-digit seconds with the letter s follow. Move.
9h58
